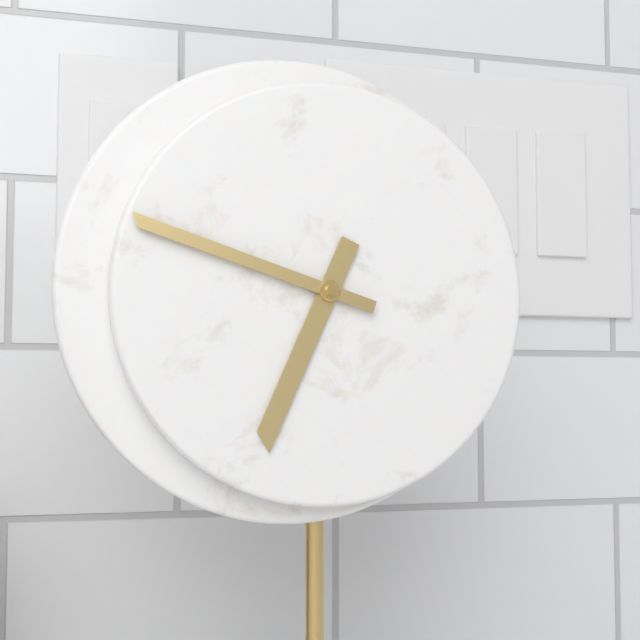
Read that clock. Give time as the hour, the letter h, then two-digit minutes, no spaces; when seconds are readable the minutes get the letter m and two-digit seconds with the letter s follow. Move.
6h48
